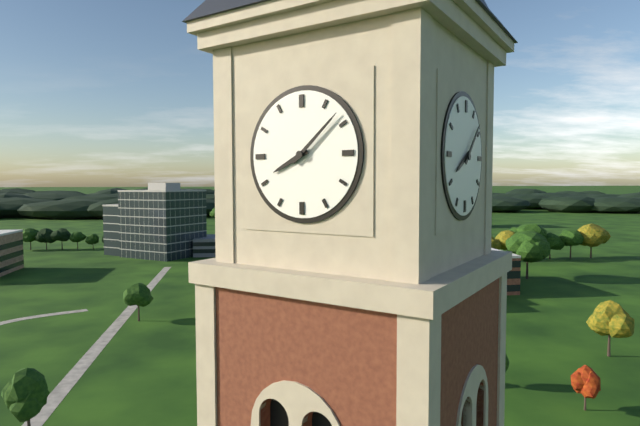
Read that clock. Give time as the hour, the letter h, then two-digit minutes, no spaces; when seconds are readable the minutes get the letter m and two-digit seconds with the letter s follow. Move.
8h08
